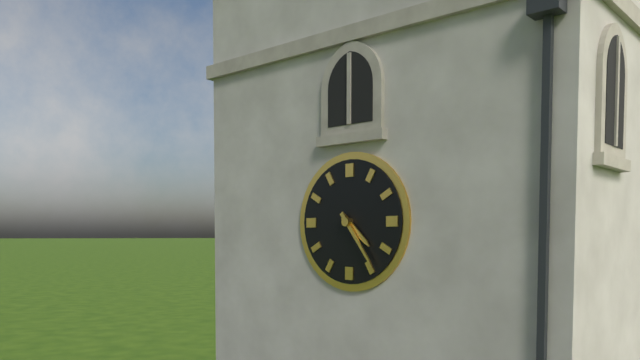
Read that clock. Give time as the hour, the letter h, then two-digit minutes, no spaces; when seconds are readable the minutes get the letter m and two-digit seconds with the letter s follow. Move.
4h24
